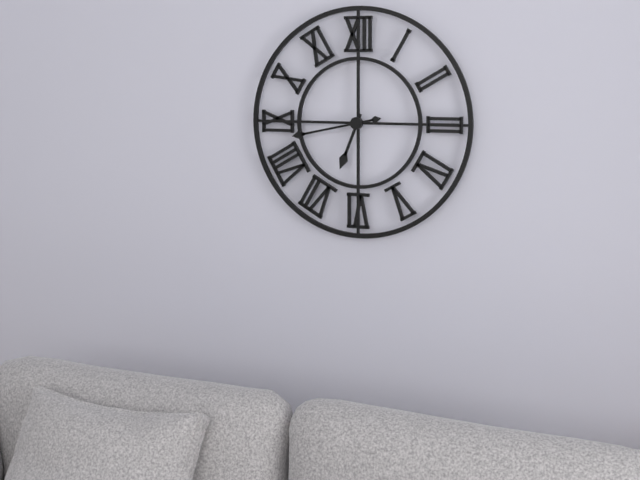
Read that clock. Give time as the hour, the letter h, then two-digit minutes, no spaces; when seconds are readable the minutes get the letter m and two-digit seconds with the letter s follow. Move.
6h43
